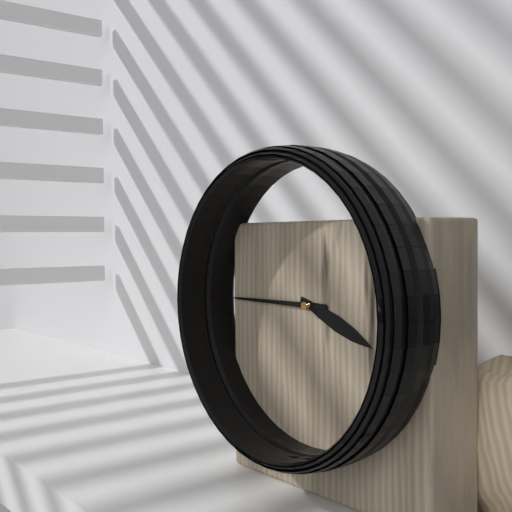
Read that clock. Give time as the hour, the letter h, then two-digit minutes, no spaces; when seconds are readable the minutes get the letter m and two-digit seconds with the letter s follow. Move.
3h45
